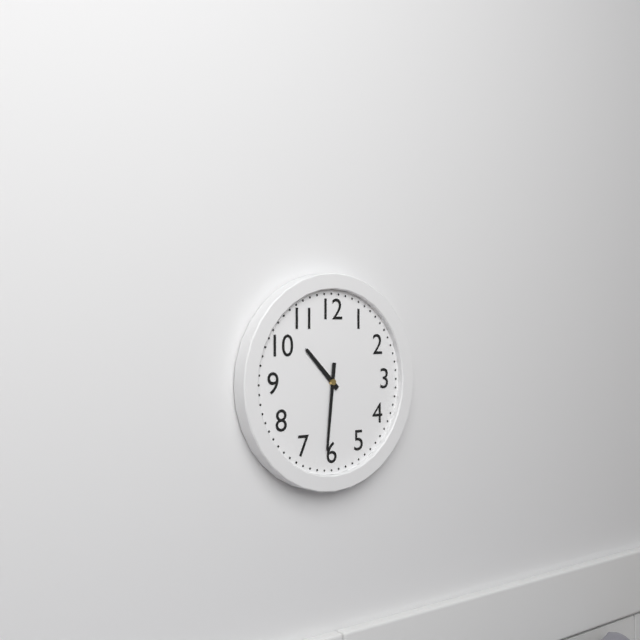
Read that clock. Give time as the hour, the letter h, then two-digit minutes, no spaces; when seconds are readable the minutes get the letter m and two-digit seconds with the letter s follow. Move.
10h31
